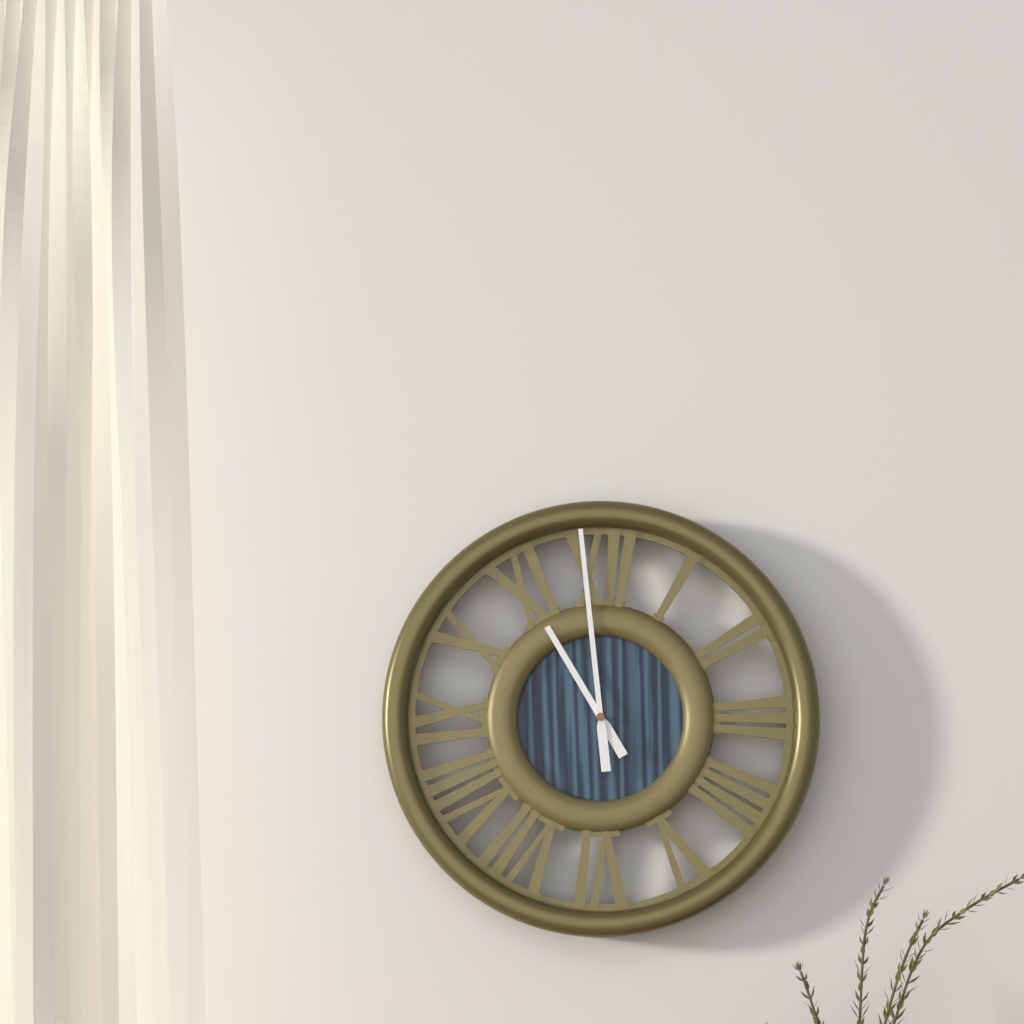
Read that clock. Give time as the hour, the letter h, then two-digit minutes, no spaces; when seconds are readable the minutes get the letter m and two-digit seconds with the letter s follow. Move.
10h59
